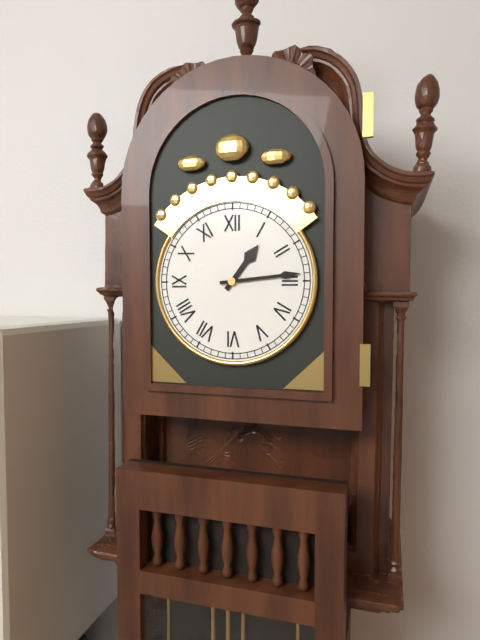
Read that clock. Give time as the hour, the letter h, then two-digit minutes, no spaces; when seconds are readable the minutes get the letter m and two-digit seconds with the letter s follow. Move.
1h14
